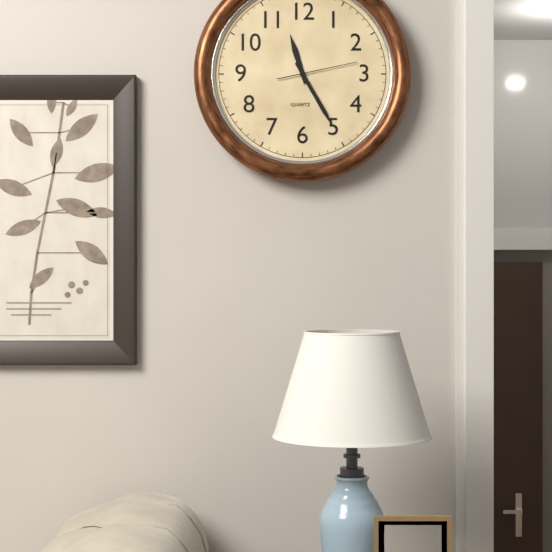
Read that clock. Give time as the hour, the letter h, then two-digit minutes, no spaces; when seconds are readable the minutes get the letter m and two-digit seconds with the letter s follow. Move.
11h25m13s
